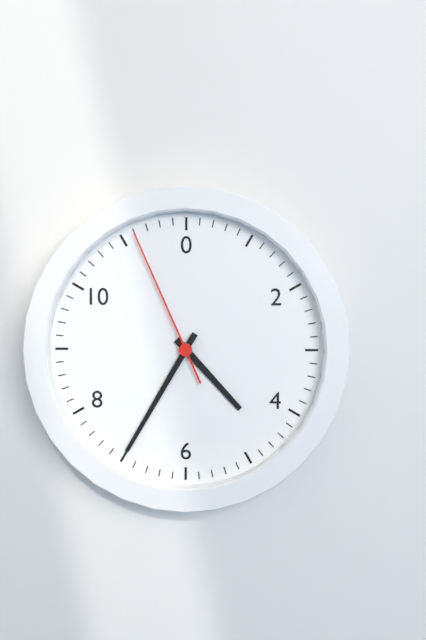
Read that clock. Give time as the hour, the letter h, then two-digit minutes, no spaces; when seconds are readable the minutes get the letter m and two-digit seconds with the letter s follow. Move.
4h35m56s
